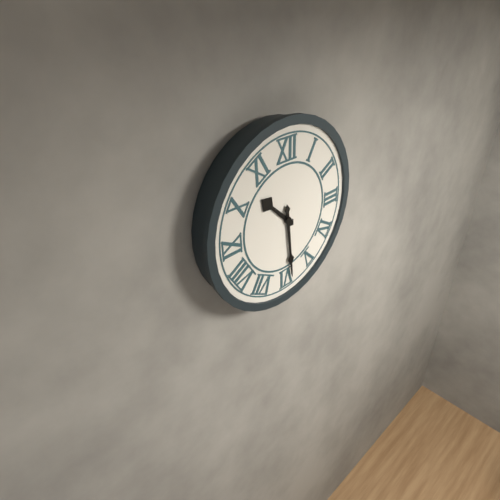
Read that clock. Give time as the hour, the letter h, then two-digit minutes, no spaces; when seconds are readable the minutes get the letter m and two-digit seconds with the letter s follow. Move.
10h29
